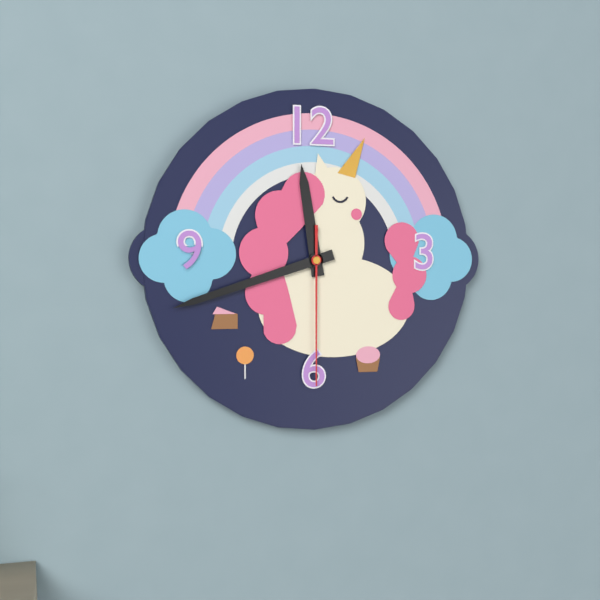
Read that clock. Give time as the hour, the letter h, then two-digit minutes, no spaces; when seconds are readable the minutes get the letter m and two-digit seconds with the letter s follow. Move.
11h42m30s
